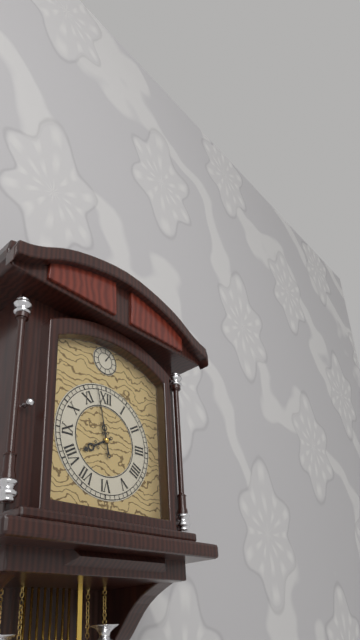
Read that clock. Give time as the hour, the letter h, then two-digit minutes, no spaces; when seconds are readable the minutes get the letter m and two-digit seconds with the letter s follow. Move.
7h58
